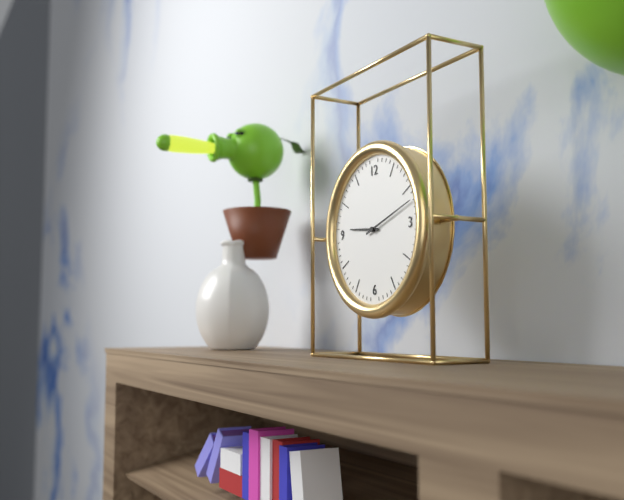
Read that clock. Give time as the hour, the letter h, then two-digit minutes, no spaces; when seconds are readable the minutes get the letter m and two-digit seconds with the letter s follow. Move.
9h12
